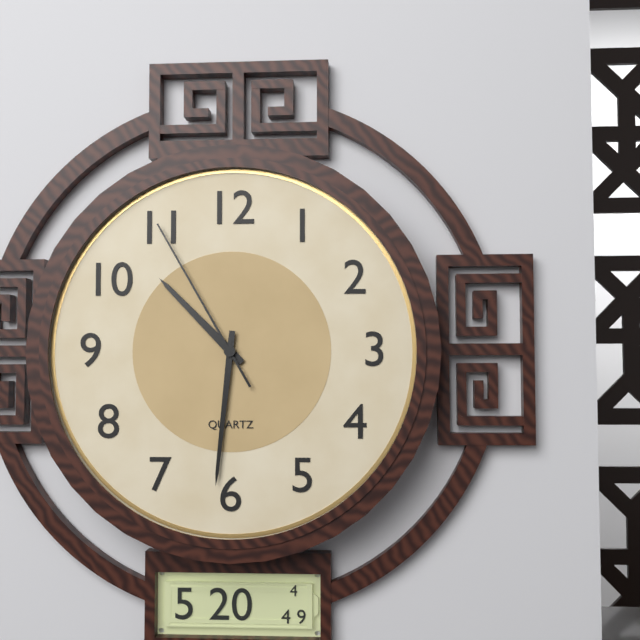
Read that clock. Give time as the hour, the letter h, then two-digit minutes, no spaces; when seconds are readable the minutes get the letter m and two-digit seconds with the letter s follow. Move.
10h31m55s
